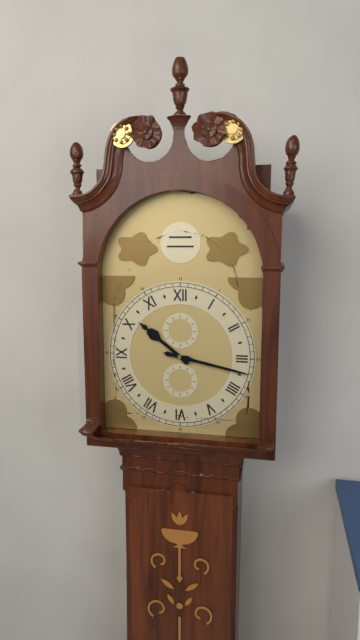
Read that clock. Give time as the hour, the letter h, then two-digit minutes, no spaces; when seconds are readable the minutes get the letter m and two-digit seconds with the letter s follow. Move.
10h17
